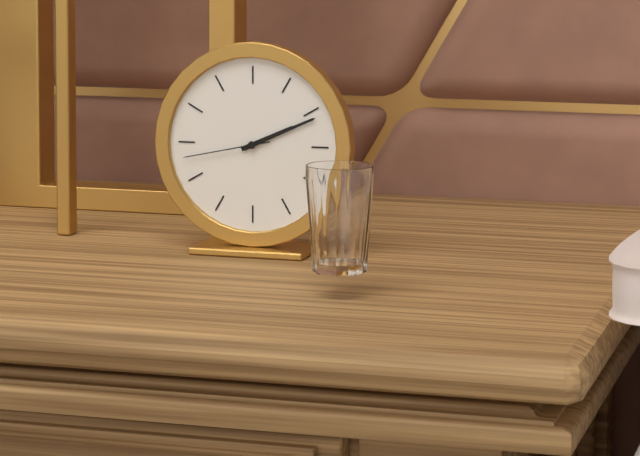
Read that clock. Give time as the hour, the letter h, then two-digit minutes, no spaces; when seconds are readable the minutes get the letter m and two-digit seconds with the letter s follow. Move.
2h11m43s
